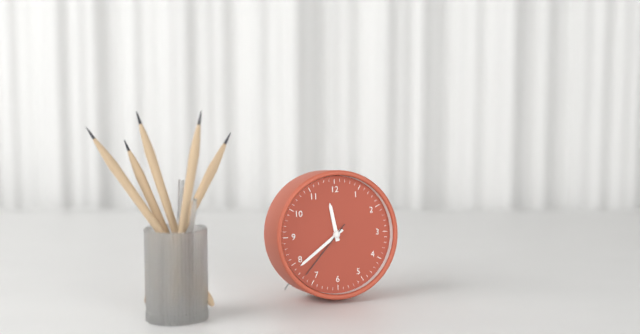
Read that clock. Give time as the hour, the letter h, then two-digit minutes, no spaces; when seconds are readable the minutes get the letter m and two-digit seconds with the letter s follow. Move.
11h39m37s
